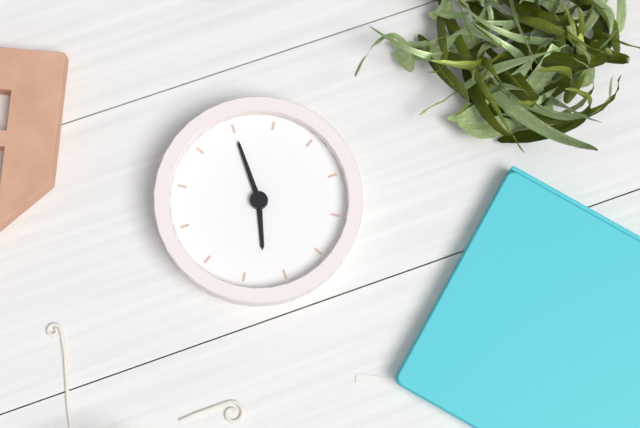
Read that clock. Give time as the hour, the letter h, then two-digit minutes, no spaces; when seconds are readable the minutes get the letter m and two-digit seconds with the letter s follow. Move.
12h30
